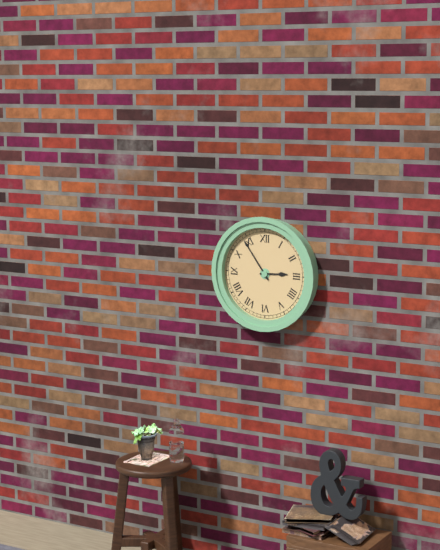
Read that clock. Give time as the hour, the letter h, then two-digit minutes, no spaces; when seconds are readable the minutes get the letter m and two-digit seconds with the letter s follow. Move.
2h54
